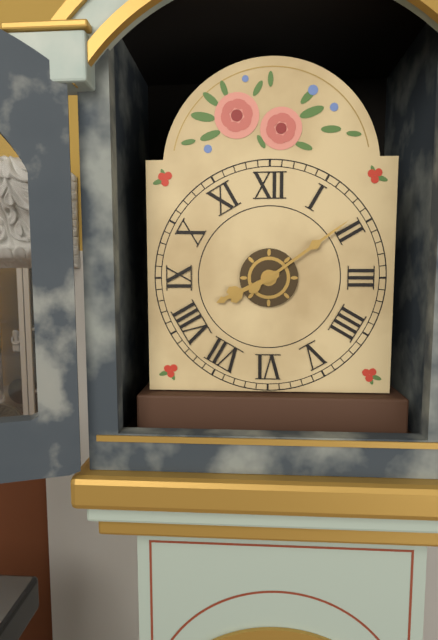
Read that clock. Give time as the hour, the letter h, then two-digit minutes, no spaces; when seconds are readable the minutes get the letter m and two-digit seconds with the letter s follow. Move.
8h09
